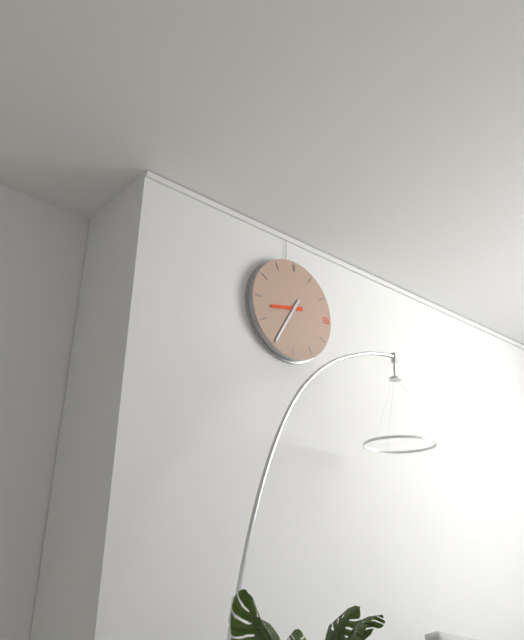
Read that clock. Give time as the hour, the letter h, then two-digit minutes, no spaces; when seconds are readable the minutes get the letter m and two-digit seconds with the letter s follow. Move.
8h35
